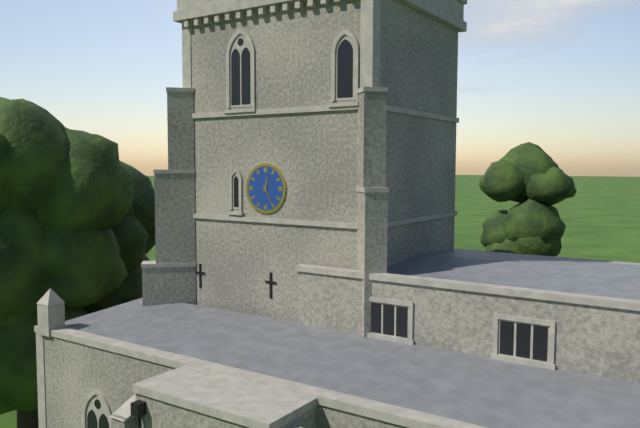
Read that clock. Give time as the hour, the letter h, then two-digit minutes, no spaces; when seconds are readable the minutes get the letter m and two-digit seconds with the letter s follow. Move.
12h25
